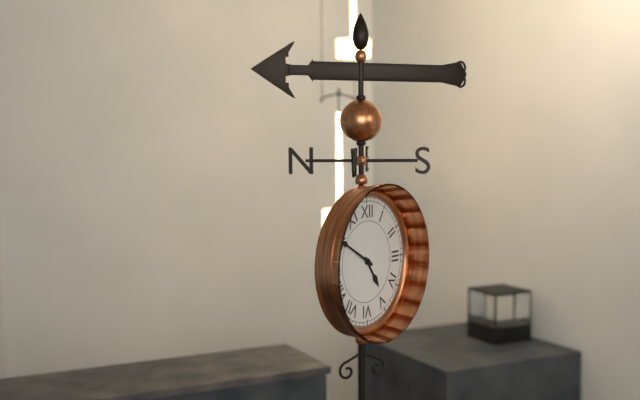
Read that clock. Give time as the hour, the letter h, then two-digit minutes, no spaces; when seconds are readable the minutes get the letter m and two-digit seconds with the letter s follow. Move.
4h50
